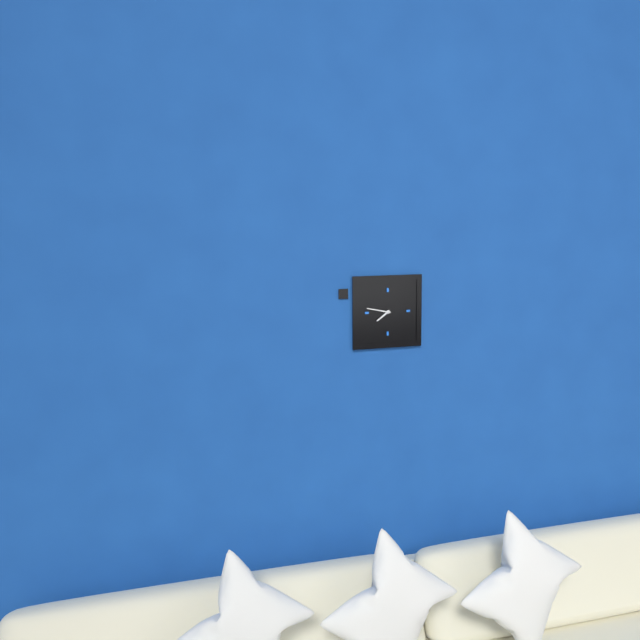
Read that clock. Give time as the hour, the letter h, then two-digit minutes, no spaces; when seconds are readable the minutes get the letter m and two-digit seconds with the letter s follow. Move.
7h47
